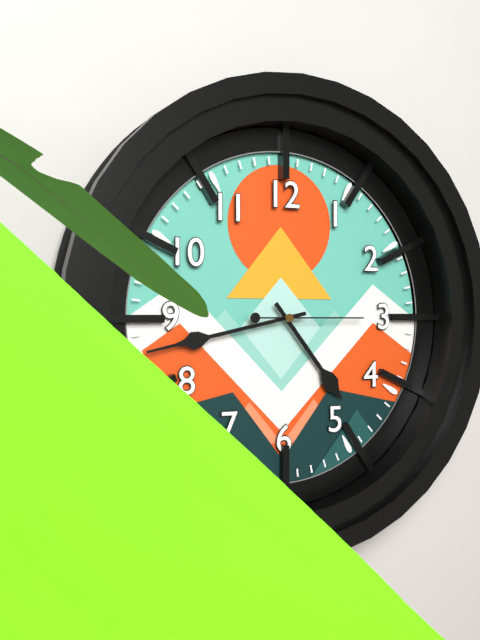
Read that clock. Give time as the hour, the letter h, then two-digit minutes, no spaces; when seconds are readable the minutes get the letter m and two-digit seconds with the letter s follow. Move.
4h43m15s
